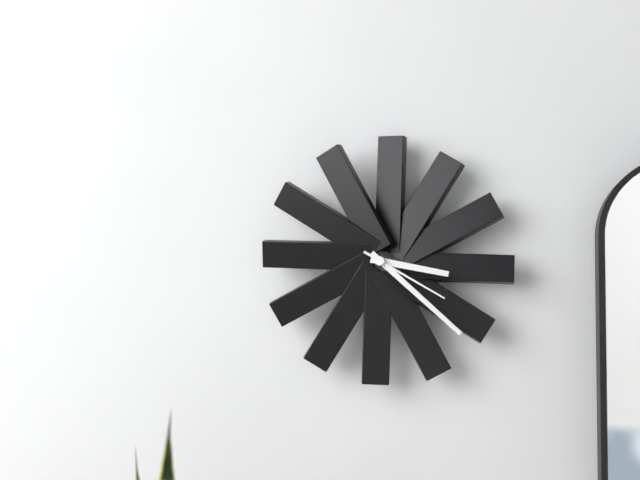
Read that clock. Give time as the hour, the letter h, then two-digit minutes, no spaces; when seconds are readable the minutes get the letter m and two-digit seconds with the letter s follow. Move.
3h22m20s
